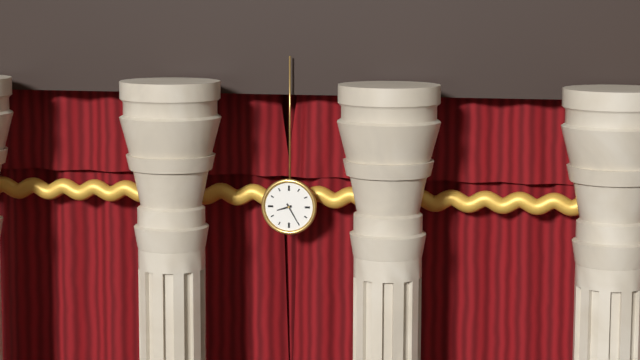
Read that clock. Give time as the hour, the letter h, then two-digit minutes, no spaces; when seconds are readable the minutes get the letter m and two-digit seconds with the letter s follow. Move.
8h25
